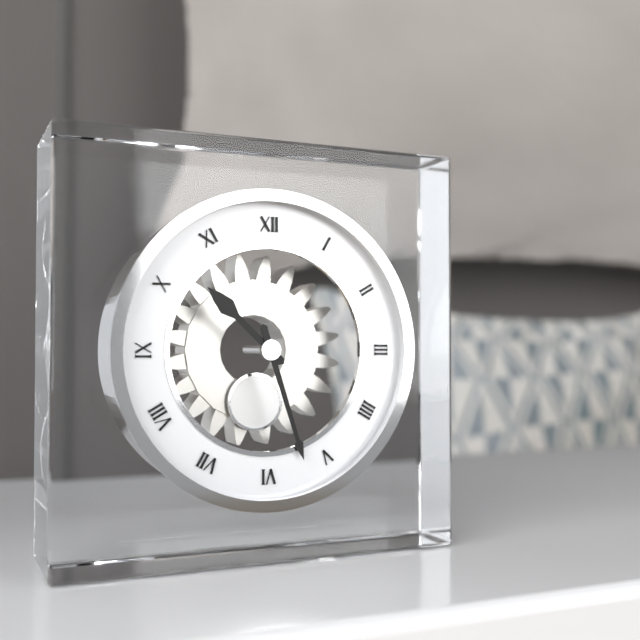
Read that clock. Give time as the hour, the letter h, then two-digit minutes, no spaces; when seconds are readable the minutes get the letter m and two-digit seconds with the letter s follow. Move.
10h27
